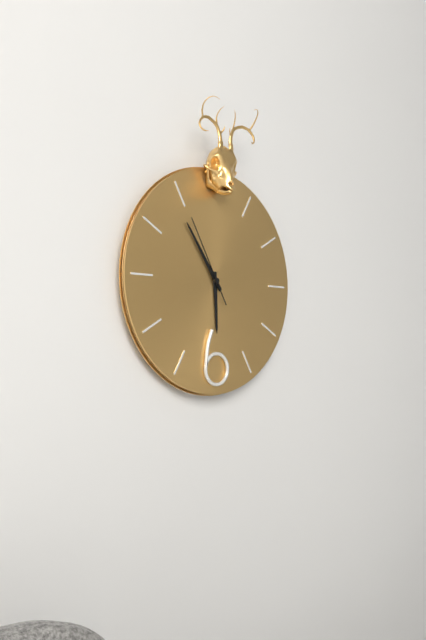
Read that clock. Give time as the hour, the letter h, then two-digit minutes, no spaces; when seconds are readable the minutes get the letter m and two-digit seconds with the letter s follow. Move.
5h54m55s
